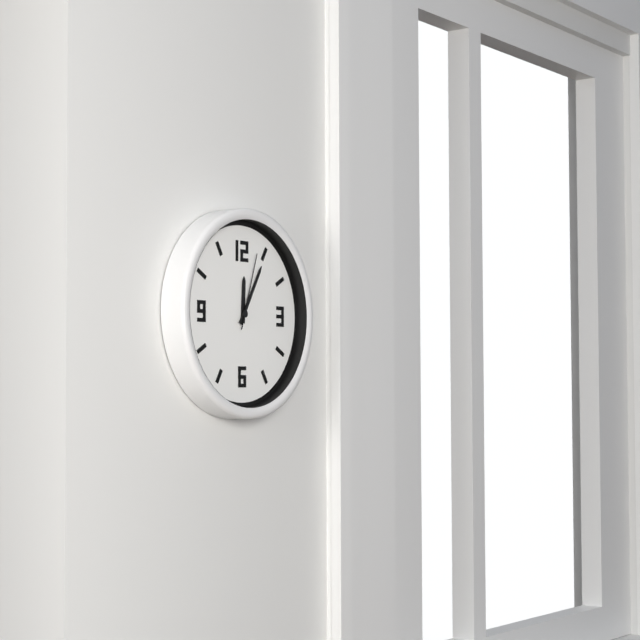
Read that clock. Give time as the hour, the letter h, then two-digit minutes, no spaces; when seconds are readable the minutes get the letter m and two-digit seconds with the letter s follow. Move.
12h05m03s
